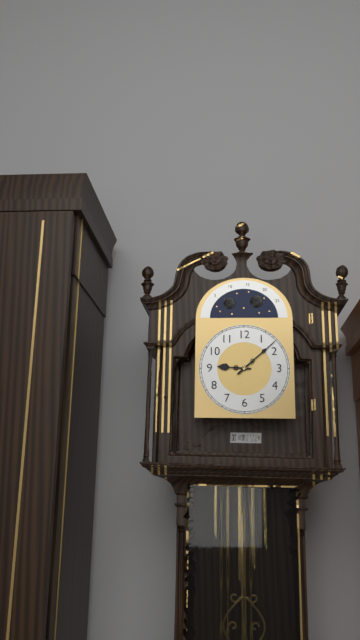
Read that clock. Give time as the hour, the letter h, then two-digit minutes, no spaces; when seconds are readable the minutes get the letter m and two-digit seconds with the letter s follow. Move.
9h08
